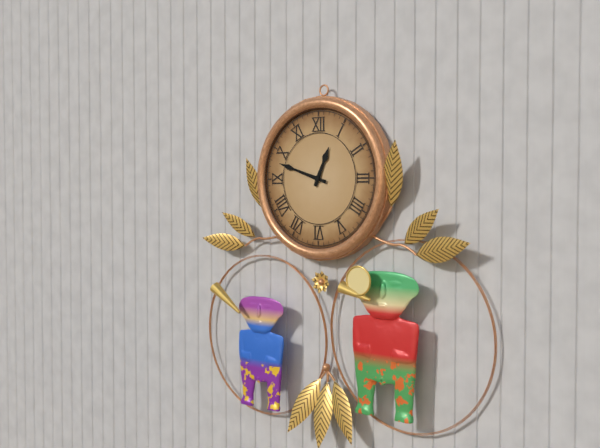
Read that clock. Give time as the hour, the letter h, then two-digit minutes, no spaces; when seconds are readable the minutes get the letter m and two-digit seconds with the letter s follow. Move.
12h48
